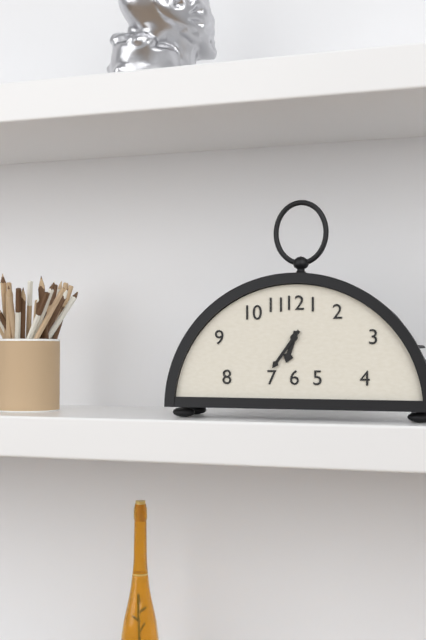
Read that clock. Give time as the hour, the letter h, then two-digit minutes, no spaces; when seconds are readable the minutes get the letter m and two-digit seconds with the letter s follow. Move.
6h36
